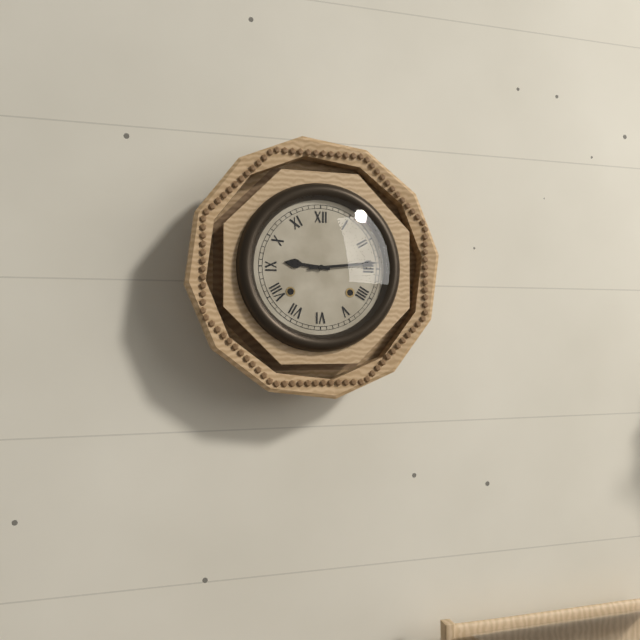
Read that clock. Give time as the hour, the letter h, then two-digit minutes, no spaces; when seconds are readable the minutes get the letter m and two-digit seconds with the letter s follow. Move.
9h14
